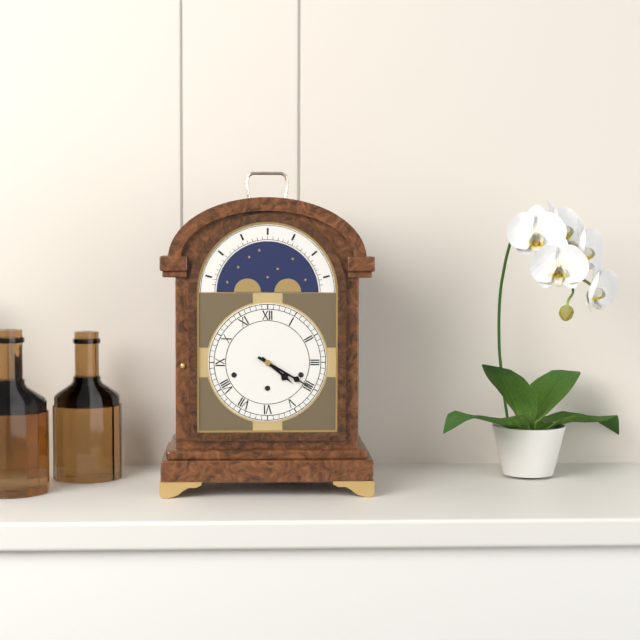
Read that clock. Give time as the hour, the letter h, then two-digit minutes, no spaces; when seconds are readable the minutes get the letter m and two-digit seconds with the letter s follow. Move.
4h20
